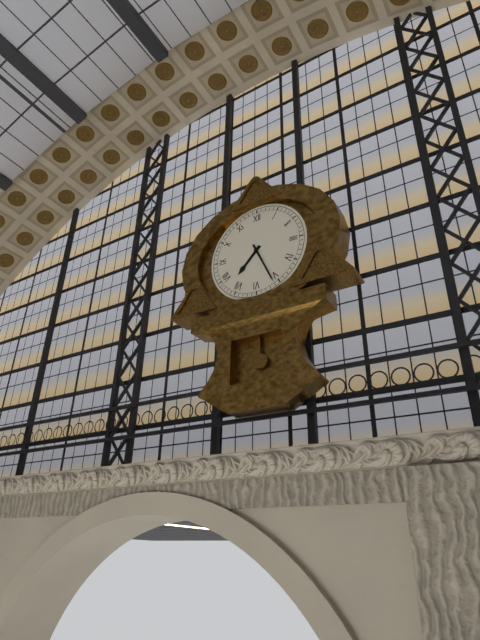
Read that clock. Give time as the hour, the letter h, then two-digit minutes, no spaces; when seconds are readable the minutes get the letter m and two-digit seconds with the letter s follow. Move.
7h26
